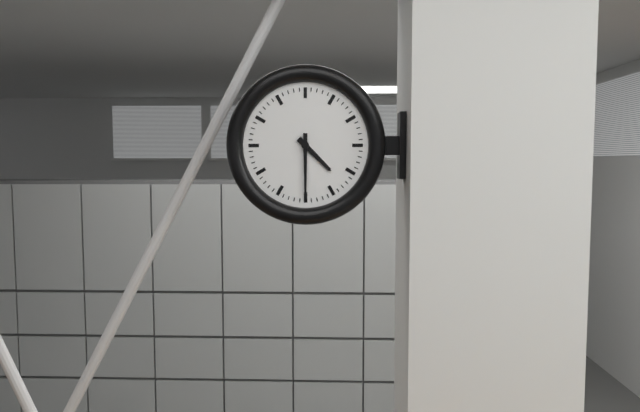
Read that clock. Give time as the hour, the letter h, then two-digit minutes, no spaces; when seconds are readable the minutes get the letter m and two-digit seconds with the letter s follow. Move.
4h30
